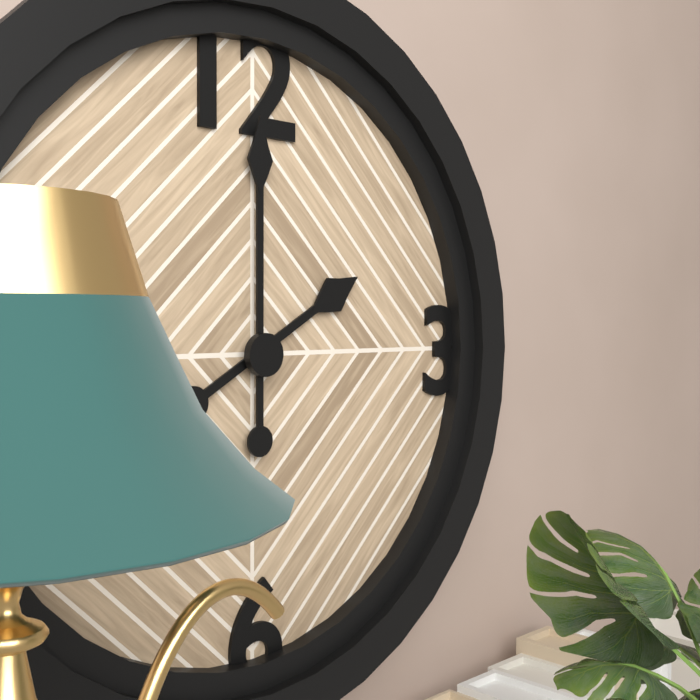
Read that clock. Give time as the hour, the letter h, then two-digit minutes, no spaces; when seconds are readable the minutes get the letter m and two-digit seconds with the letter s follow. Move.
2h00
